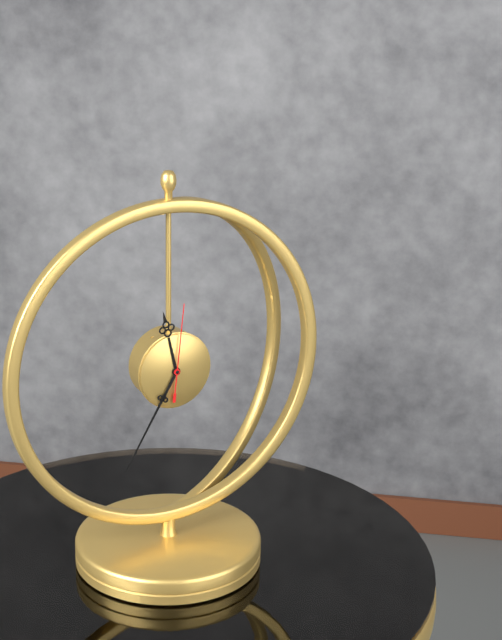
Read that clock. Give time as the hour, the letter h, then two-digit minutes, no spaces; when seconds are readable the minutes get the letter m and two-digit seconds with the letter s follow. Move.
11h35m01s
